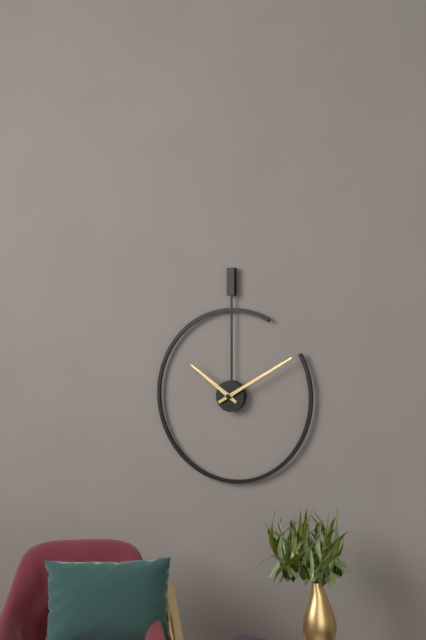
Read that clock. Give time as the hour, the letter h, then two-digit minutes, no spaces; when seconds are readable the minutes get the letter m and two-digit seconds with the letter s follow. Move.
10h10
